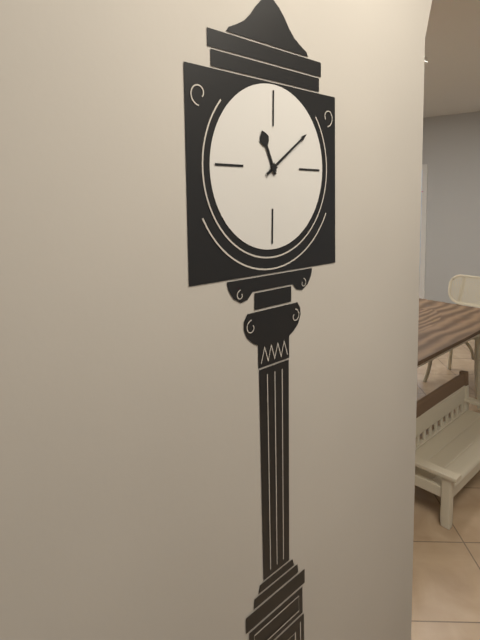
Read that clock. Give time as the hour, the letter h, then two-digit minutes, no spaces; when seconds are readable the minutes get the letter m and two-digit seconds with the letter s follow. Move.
11h09
